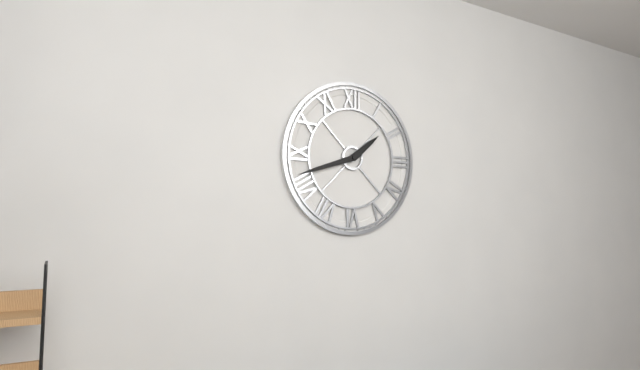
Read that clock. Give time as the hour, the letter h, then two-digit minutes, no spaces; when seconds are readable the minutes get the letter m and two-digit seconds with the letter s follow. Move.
1h42
